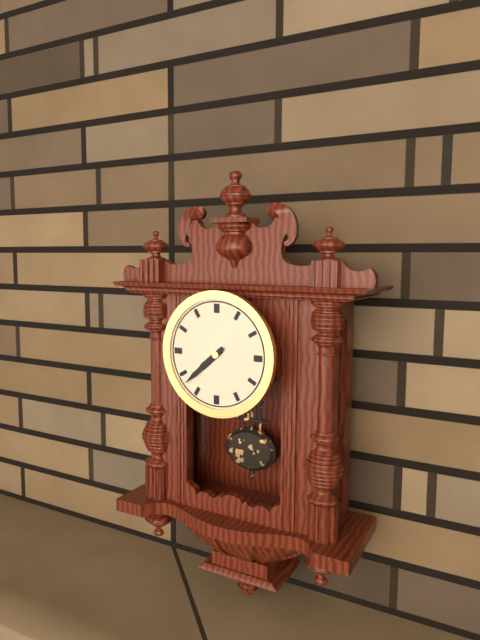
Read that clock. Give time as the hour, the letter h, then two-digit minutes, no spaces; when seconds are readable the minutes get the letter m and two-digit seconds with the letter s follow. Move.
7h38
